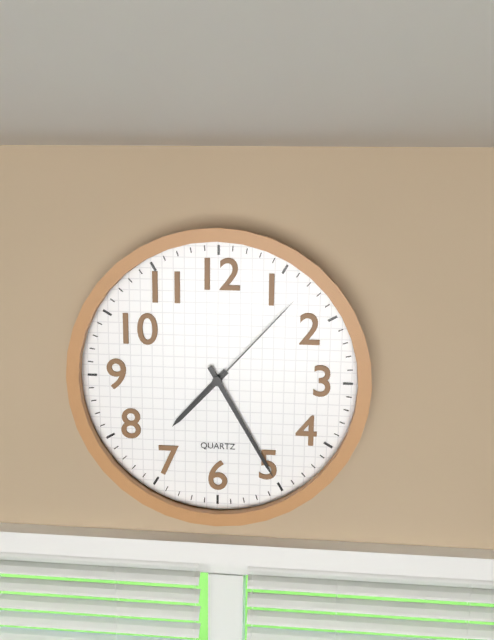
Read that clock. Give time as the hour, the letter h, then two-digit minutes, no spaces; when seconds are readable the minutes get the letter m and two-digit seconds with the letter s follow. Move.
7h25m07s
